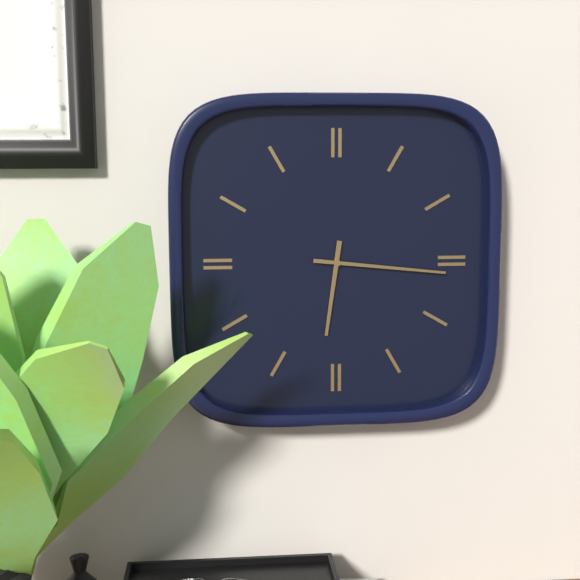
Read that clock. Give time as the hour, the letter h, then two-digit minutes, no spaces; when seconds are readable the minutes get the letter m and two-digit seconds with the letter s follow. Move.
6h16
